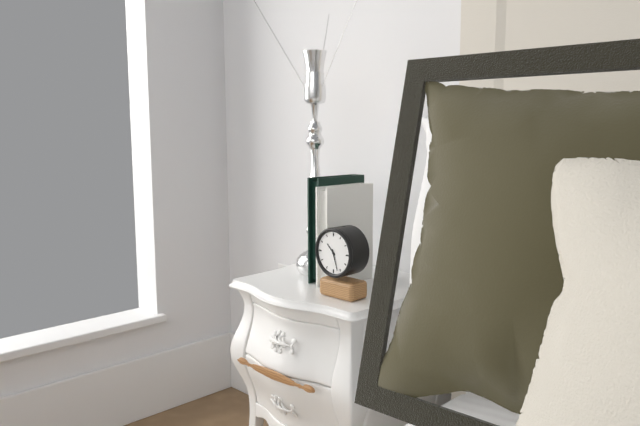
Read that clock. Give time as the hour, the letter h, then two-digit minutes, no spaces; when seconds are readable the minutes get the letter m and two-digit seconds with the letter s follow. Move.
10h27
